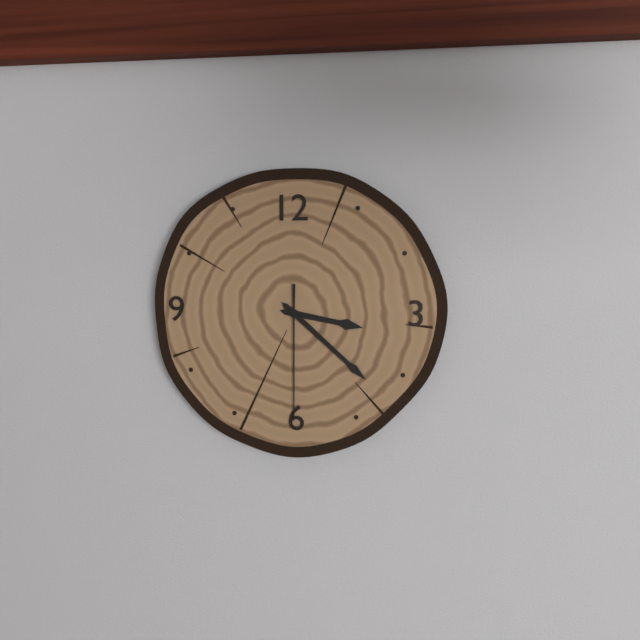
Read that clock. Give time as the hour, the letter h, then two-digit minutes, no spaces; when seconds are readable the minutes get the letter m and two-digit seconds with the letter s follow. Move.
3h22m30s
